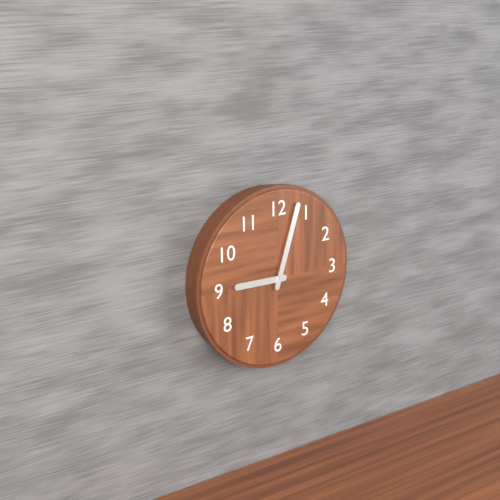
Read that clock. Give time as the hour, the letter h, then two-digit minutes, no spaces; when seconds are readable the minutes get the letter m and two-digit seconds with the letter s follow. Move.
9h03
